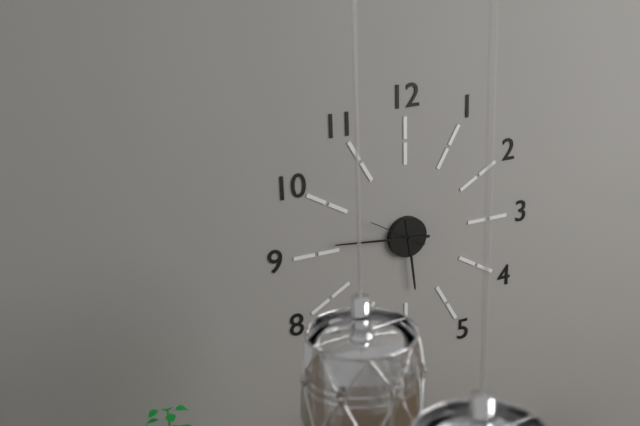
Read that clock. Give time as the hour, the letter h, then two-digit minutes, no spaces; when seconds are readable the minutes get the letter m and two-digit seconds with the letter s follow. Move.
5h46m50s
